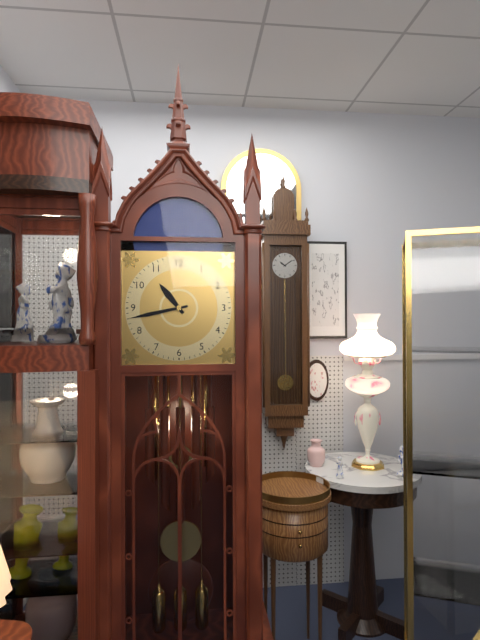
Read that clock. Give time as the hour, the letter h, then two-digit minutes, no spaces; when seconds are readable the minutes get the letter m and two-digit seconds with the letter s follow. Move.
10h43
